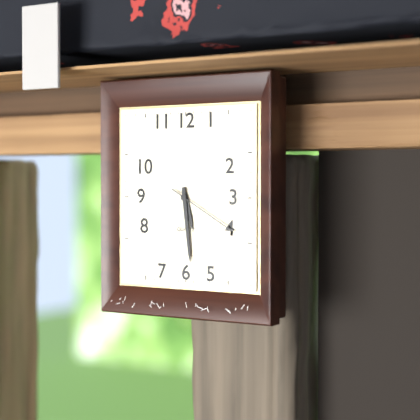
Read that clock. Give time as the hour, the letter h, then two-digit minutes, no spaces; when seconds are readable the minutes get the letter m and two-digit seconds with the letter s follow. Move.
5h29m20s
